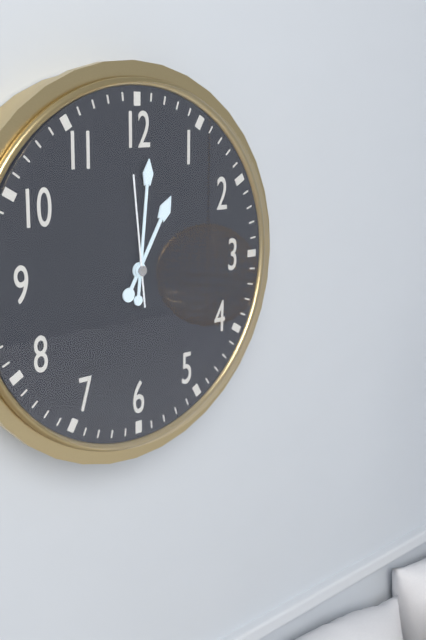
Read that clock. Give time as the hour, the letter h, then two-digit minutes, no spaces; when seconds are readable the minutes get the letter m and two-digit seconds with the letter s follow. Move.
1h01m59s
